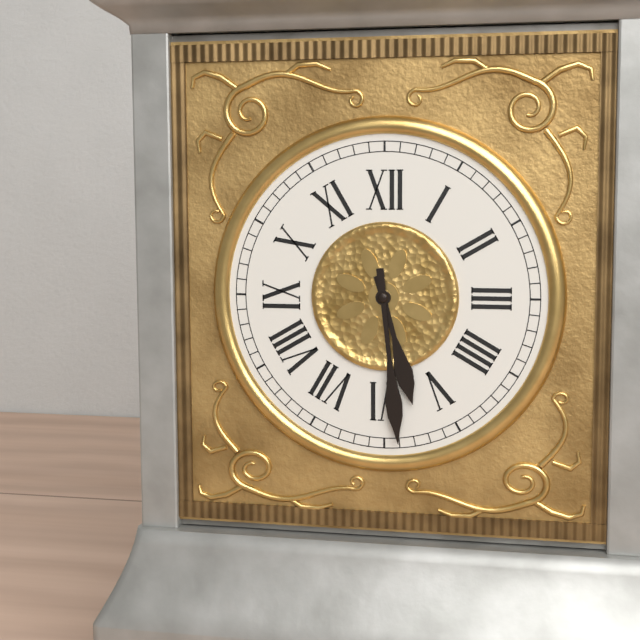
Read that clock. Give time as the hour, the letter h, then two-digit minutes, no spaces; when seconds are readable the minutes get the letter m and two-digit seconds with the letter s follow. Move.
5h29
